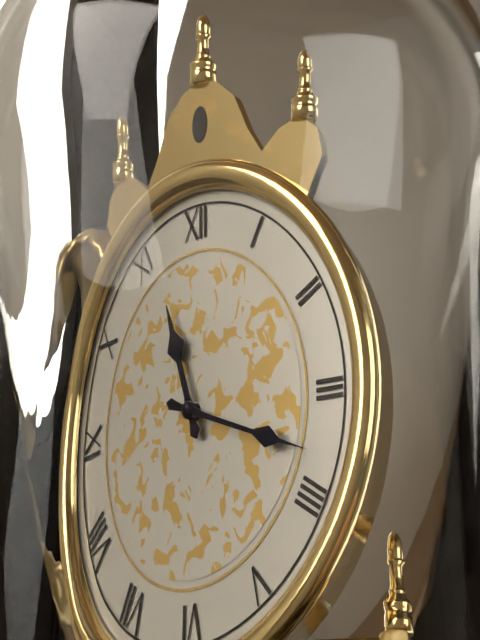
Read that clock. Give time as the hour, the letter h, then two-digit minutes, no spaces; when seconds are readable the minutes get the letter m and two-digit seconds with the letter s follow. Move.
11h18
